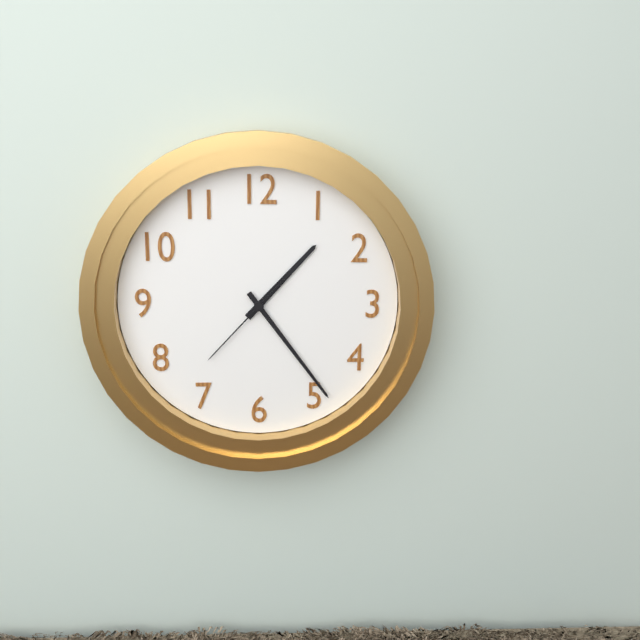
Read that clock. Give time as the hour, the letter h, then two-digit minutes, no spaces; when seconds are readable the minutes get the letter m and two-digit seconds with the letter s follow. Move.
1h24m37s
